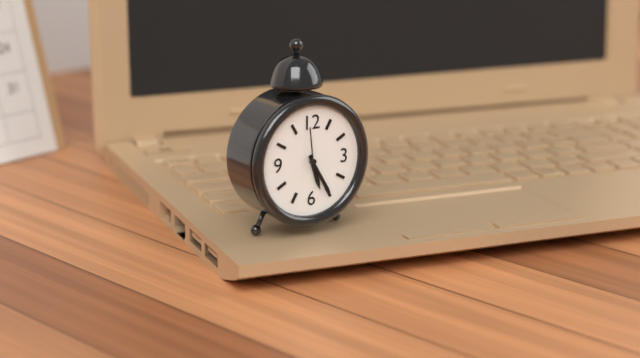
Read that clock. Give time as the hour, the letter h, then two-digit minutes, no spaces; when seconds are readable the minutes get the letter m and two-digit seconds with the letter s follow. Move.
5h25
